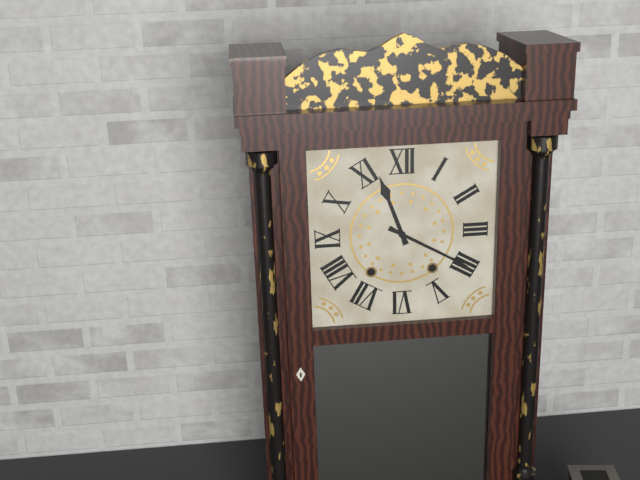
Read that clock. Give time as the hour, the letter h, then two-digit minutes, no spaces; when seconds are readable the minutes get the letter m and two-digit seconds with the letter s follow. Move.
11h20
